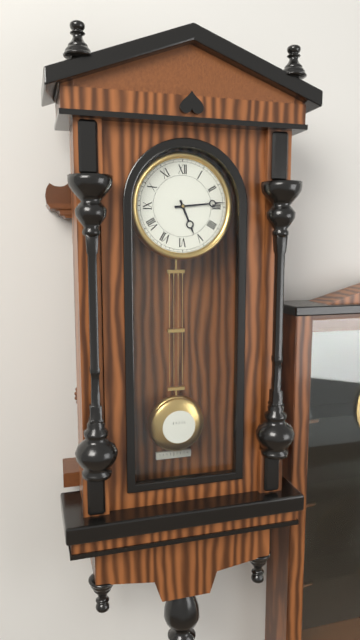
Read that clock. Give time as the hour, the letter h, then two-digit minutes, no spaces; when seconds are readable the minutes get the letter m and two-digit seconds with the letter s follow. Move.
5h14
